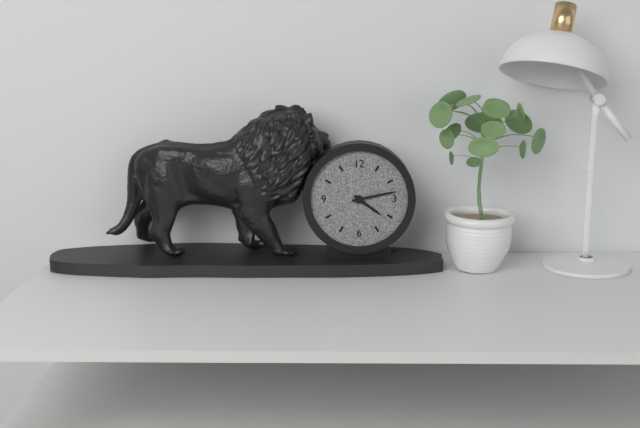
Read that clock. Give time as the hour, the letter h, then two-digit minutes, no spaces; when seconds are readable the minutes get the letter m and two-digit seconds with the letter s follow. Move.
4h13
